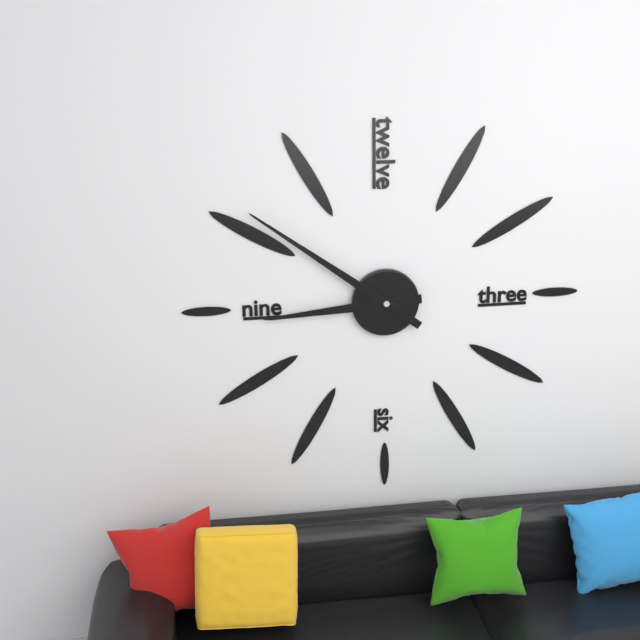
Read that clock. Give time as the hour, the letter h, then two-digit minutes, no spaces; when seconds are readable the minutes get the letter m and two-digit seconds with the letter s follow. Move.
8h51
